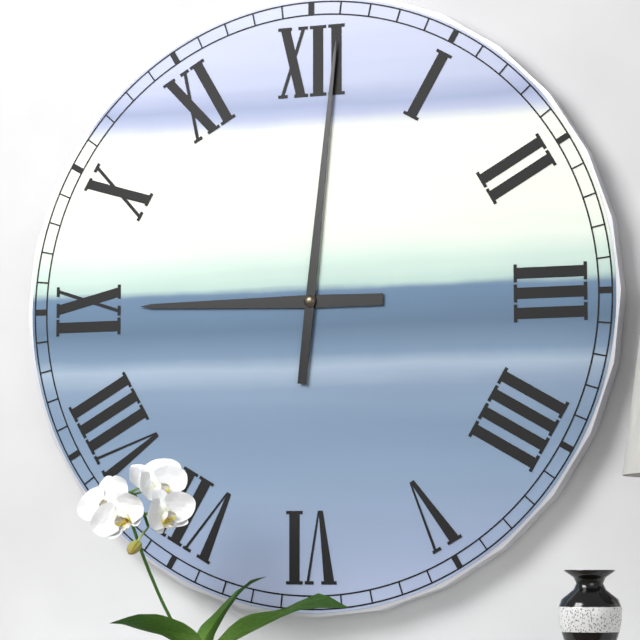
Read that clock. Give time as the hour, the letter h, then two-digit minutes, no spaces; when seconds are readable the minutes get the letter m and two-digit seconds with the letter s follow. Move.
9h01
